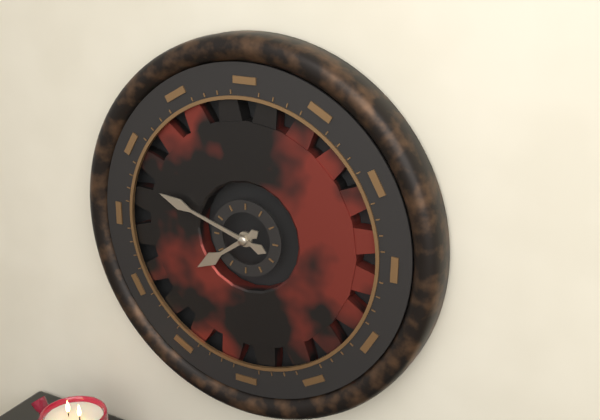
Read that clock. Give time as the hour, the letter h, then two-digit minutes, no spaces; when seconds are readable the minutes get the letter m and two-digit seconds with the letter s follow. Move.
7h48
